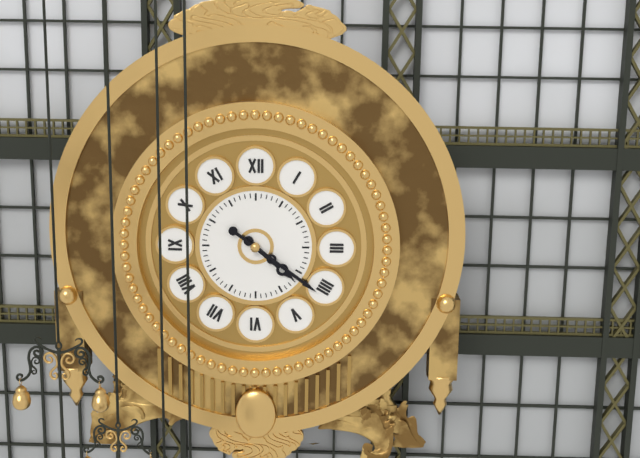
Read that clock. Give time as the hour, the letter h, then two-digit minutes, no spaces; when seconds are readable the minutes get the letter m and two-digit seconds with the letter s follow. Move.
4h21
